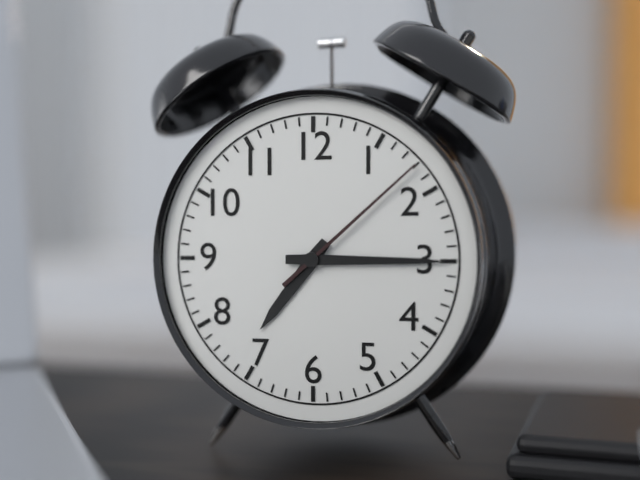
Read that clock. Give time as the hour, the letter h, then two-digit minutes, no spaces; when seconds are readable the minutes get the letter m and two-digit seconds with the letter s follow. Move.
7h15m08s
